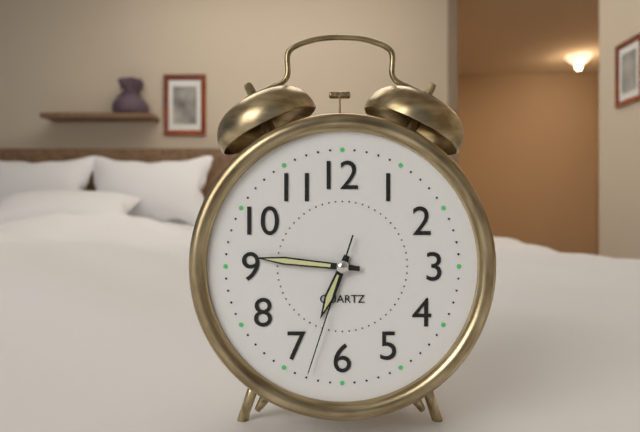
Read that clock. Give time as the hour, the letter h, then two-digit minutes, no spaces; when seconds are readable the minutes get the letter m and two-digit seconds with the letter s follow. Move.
6h46m33s
